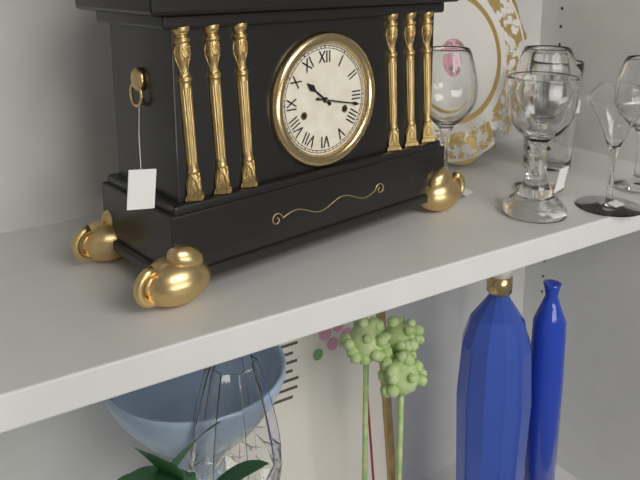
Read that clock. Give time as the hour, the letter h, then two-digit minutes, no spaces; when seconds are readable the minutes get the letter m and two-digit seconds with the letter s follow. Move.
10h17
